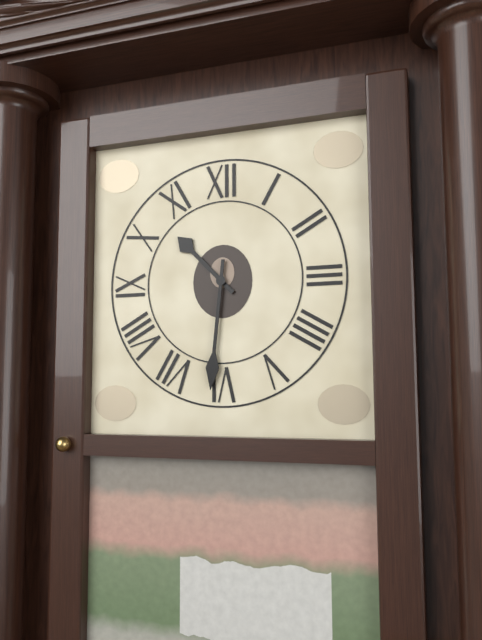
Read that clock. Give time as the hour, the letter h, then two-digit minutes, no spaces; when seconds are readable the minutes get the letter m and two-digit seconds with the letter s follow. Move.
10h31
